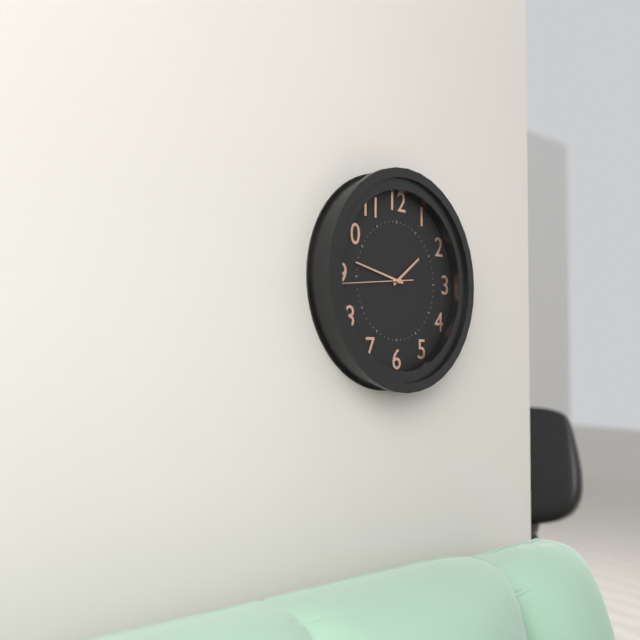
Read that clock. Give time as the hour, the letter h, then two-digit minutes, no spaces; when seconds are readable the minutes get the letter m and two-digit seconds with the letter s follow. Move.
1h47m44s
